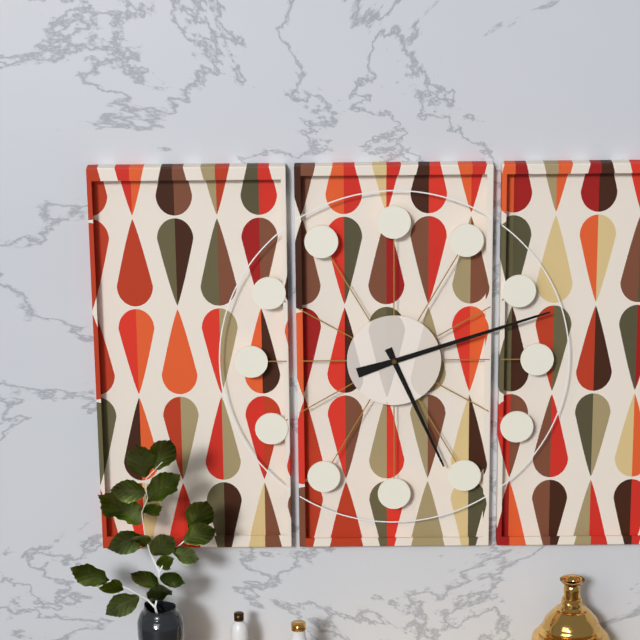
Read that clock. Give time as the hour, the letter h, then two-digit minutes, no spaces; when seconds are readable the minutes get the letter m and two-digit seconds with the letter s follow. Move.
5h12
